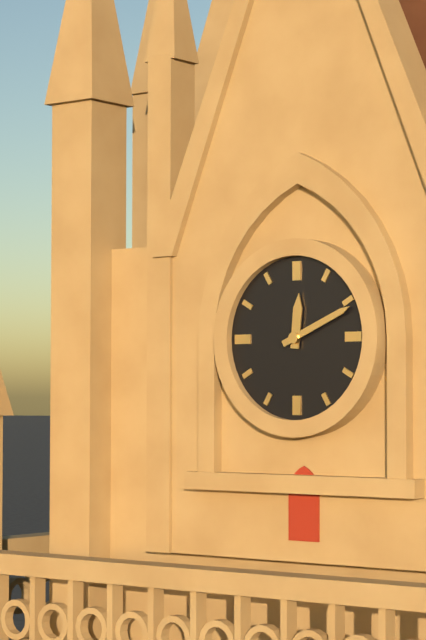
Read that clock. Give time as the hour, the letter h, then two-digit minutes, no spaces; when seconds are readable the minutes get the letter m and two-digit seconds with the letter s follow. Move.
12h11
